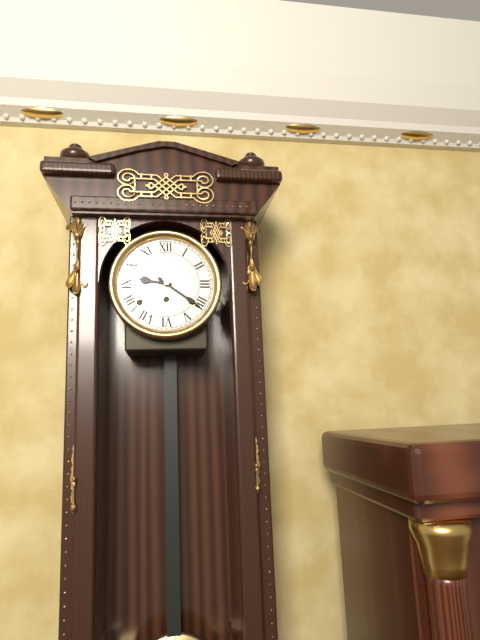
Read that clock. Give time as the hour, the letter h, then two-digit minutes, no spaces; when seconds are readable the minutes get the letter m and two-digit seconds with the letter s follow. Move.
9h21
